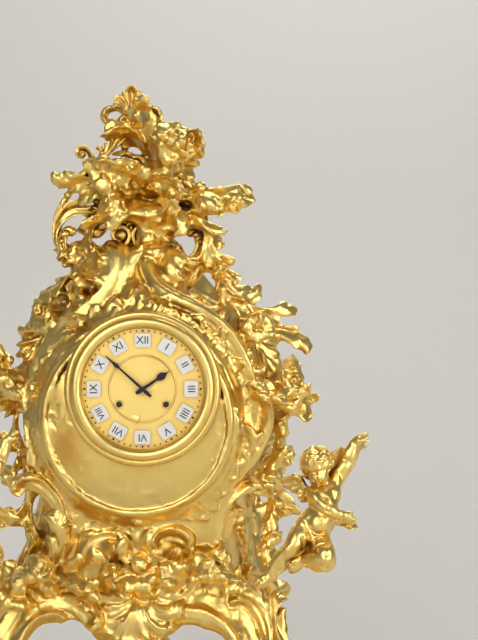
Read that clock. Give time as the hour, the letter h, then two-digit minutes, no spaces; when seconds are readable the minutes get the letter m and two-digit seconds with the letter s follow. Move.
1h52
